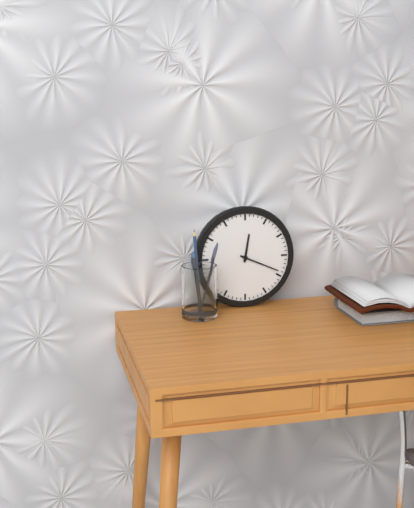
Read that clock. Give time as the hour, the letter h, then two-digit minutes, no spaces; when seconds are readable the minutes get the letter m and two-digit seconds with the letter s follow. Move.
12h19
